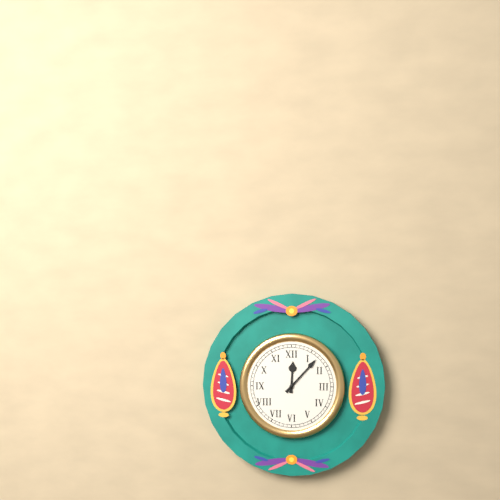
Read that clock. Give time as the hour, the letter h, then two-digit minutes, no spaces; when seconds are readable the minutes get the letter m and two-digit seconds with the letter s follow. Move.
12h07
